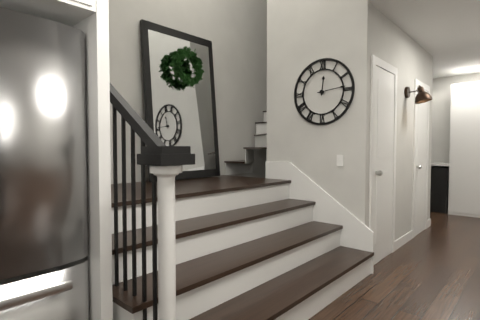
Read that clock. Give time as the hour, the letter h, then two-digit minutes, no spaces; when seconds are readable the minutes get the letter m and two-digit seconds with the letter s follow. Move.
12h14
